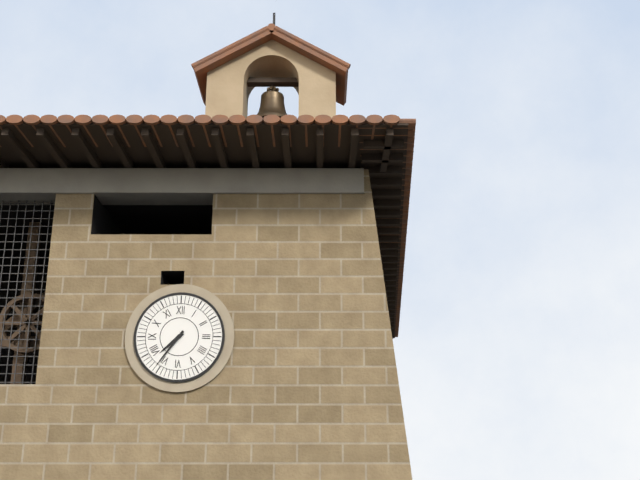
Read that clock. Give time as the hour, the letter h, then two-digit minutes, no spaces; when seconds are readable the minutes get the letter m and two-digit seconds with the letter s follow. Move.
7h36
